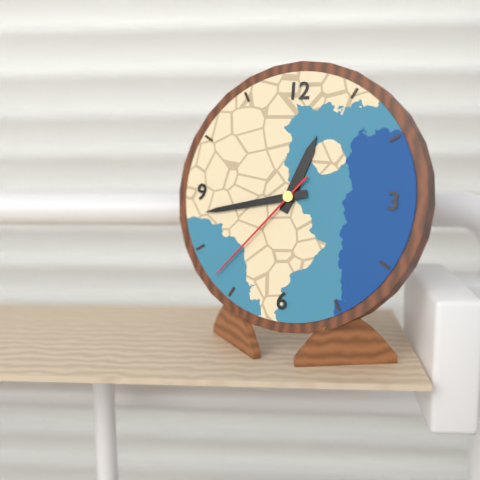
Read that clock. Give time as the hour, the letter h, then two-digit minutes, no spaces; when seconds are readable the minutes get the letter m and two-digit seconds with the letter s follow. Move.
12h43m37s
